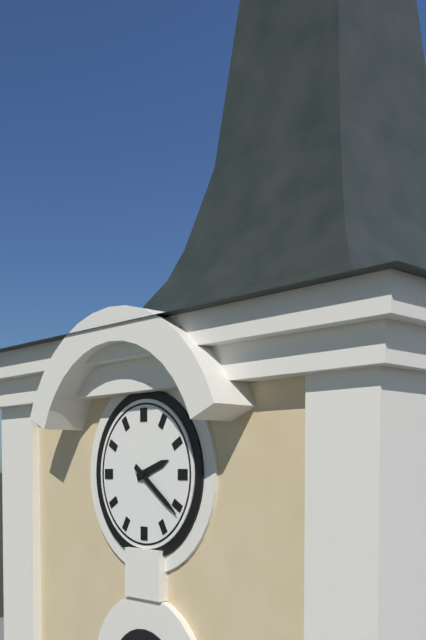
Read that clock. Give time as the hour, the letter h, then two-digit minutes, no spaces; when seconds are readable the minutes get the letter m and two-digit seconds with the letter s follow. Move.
2h21
